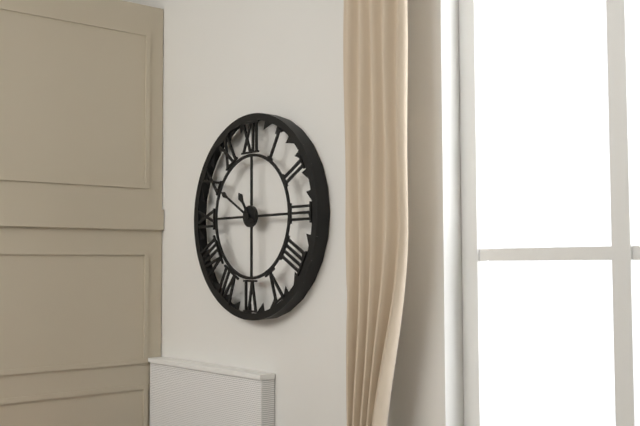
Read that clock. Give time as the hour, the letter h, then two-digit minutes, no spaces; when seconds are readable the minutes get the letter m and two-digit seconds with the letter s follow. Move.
10h50
